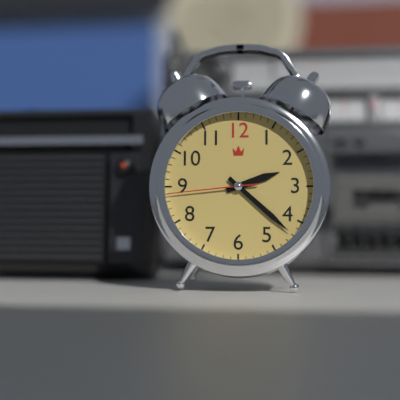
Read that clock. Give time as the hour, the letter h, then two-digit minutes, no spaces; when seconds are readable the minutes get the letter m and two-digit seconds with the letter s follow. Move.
2h22m44s
